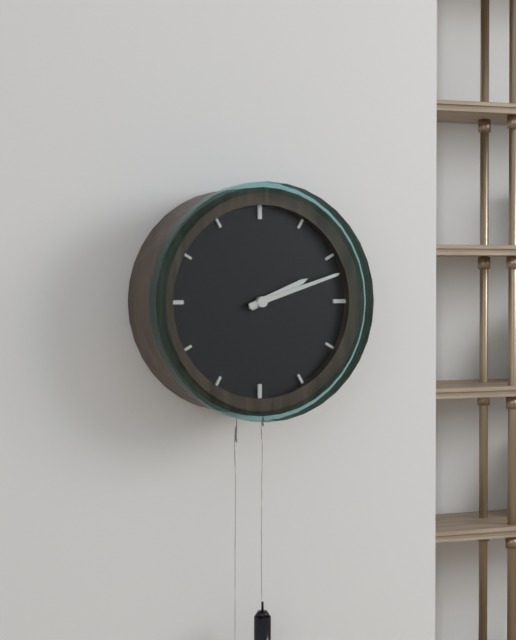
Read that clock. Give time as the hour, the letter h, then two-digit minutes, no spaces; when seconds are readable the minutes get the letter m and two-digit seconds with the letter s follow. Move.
2h12
